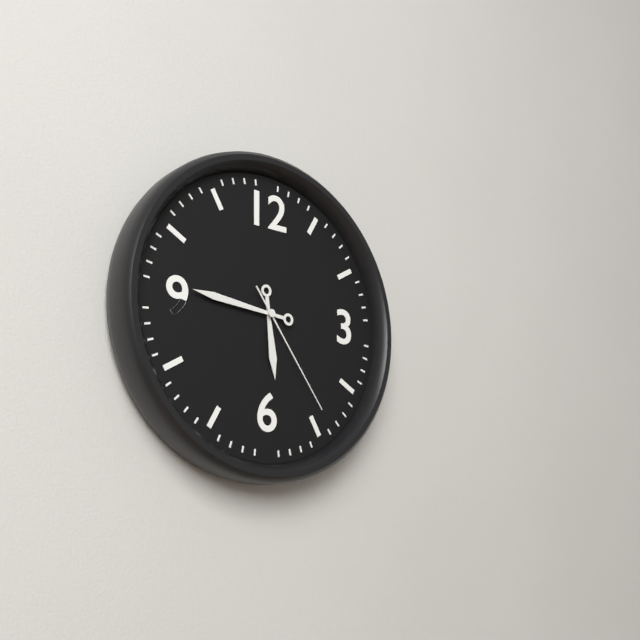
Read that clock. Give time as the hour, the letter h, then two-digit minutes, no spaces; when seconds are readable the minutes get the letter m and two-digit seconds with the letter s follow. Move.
5h46m24s
